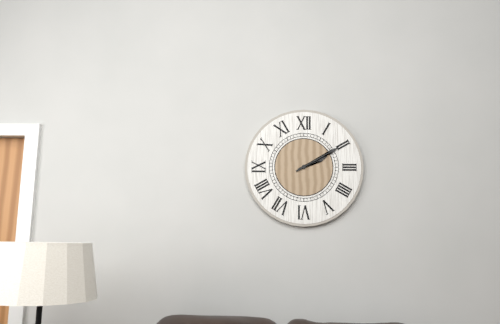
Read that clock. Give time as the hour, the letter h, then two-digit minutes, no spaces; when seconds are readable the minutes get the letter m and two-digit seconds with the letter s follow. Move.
2h10
